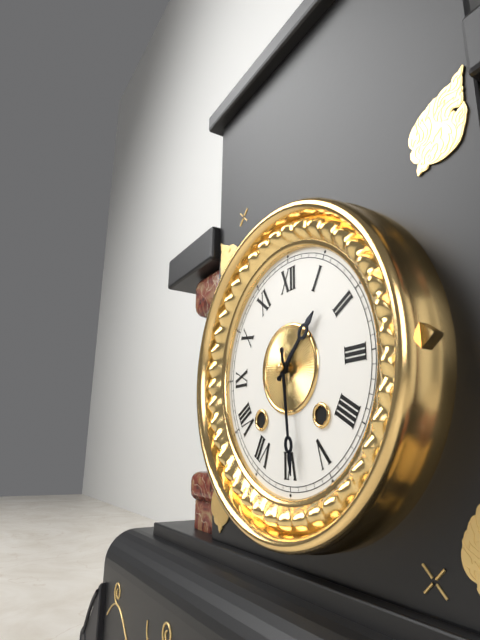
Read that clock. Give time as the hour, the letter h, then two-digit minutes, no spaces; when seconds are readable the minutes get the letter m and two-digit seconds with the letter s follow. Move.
1h29
